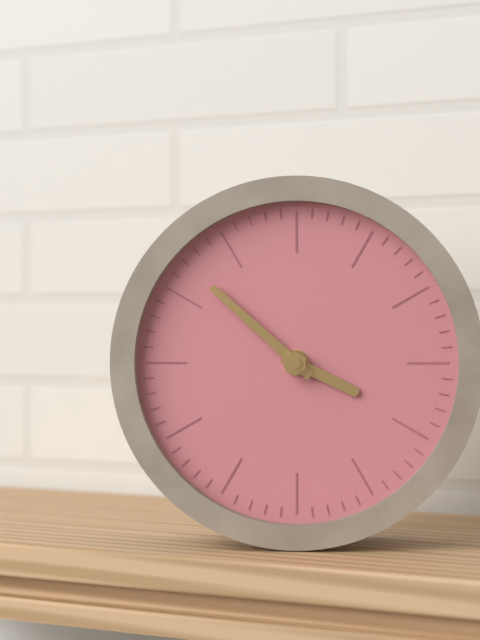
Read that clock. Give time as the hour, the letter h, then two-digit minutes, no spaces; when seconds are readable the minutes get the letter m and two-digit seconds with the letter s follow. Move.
3h52
